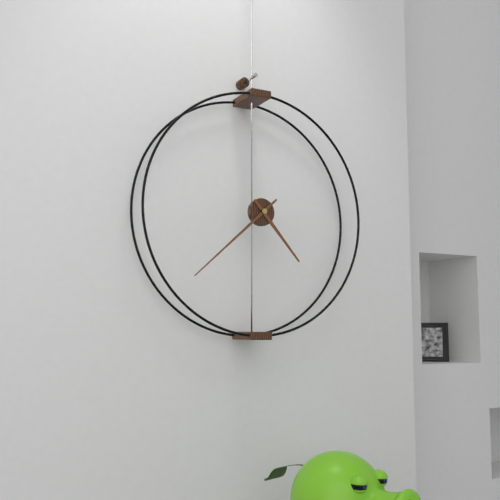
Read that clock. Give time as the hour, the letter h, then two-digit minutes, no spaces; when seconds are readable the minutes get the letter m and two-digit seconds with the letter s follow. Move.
4h38
